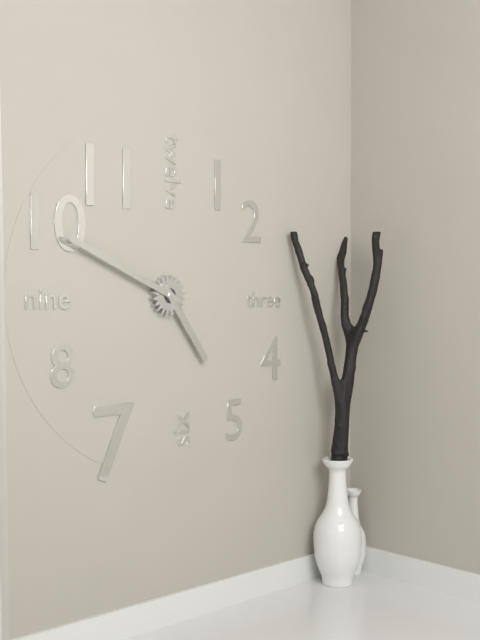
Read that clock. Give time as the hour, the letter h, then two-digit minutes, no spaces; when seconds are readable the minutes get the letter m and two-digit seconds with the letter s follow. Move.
4h49
